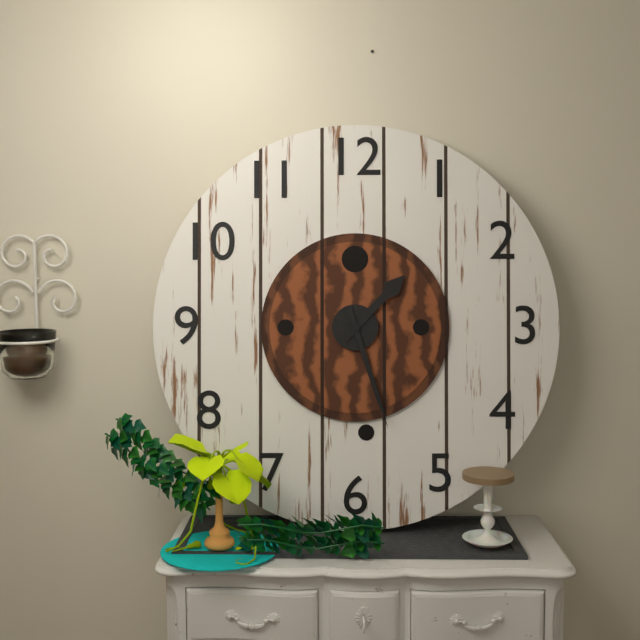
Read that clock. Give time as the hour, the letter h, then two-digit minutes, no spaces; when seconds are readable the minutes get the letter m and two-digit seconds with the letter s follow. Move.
1h27
